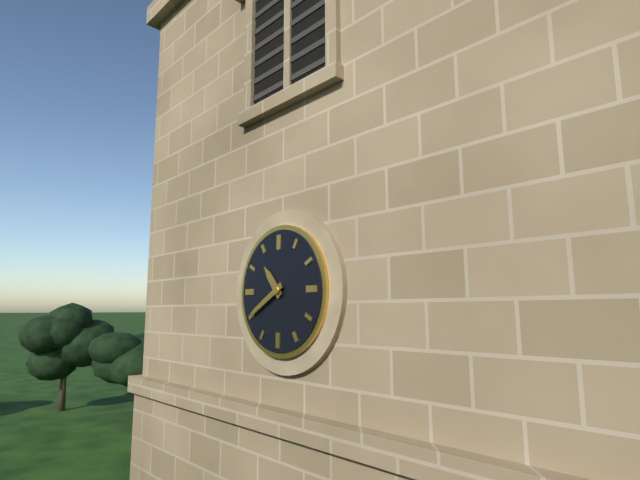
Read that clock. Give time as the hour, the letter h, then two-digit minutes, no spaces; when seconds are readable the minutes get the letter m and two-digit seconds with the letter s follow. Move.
10h40
